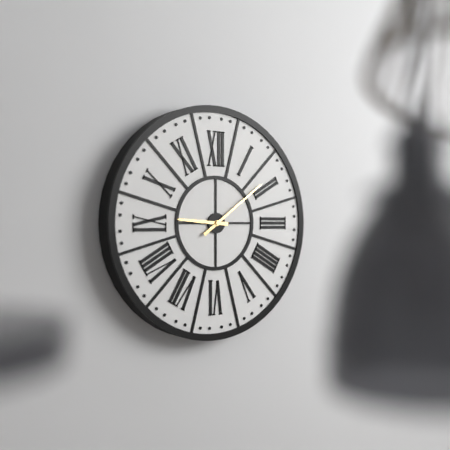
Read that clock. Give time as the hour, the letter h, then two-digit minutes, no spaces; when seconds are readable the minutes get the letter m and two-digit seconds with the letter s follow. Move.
9h09
